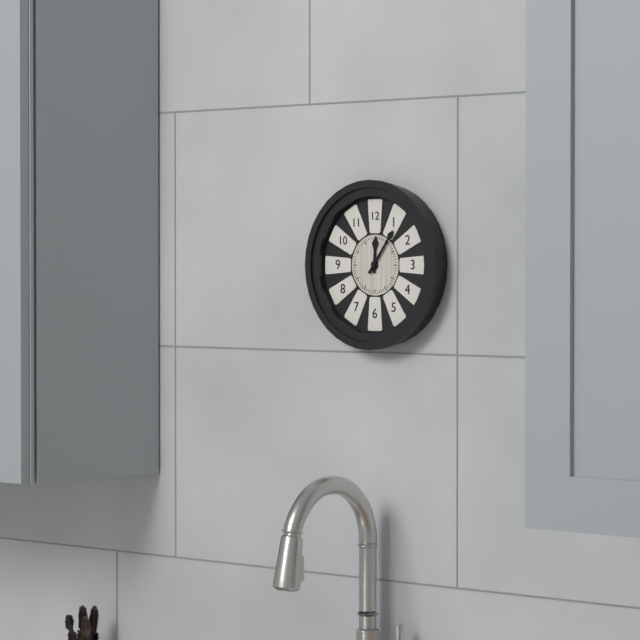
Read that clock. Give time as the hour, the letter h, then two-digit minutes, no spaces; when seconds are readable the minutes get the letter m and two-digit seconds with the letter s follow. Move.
12h06
